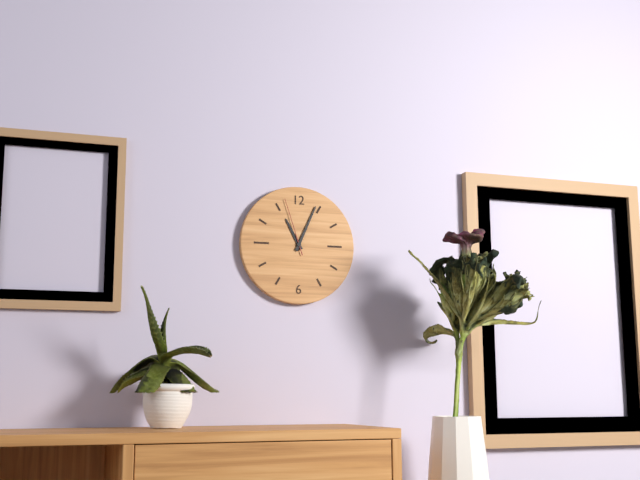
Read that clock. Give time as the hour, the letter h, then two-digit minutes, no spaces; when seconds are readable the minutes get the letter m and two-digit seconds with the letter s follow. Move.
11h04m57s
